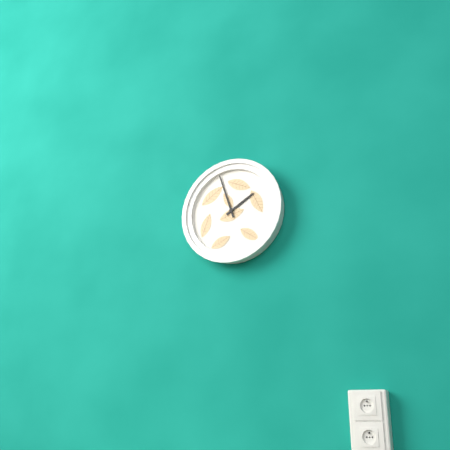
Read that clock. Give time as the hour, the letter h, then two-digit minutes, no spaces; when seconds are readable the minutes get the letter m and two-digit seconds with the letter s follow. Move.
1h57
